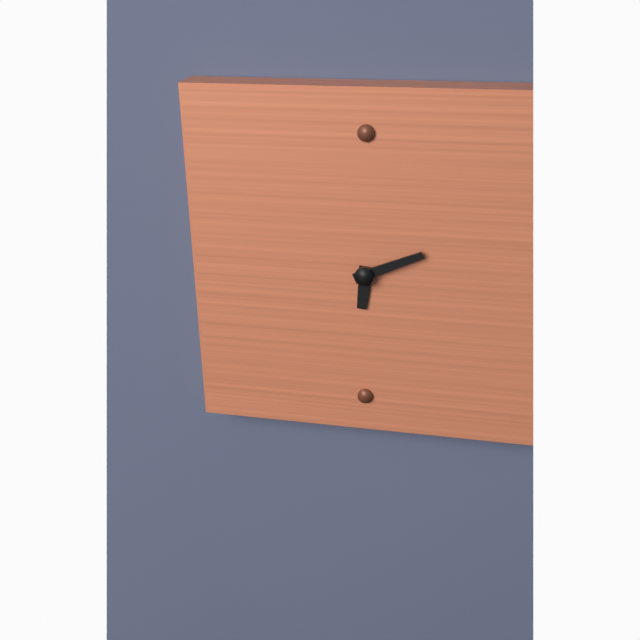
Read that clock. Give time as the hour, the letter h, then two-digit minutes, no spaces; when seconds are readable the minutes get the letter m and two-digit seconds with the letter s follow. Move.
6h11
